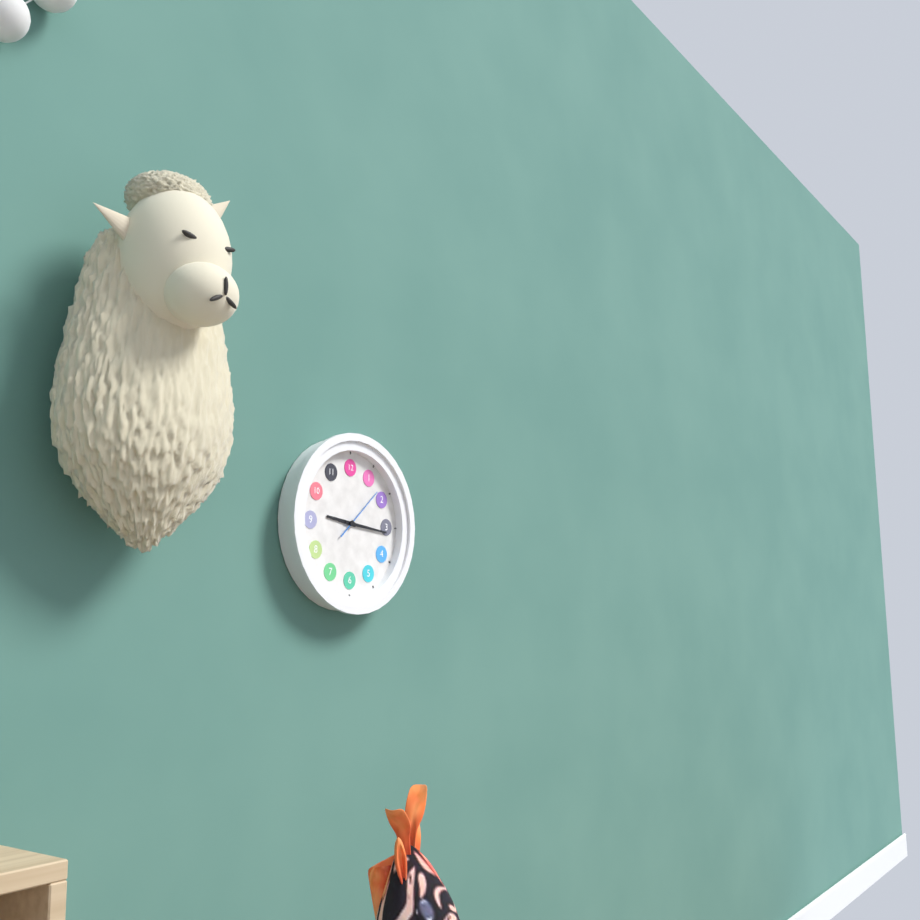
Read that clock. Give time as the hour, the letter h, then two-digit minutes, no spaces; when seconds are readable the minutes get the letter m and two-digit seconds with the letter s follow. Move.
9h16m08s
